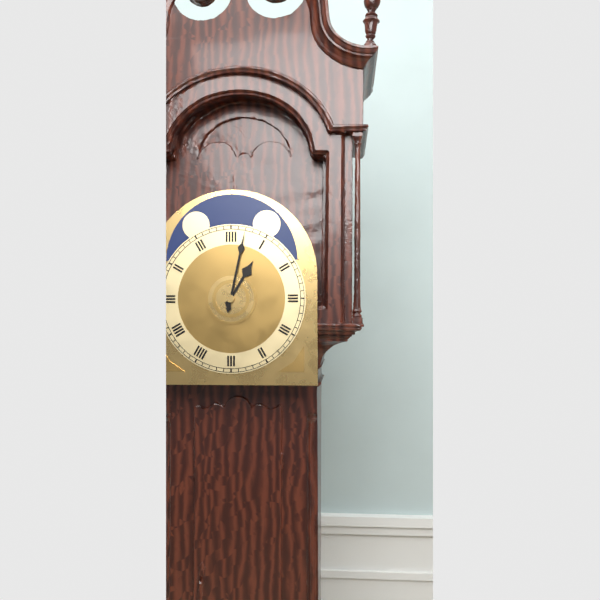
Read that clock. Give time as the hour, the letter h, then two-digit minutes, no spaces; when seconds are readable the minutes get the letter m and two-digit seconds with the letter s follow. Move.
1h02
